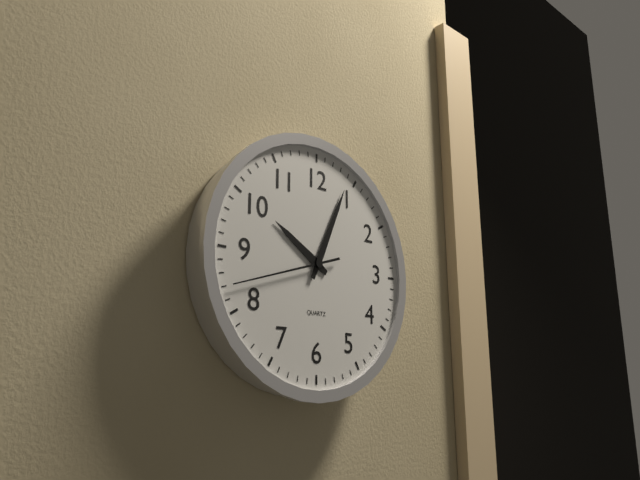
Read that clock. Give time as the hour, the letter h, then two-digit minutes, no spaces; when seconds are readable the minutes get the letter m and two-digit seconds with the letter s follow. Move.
10h04m42s
